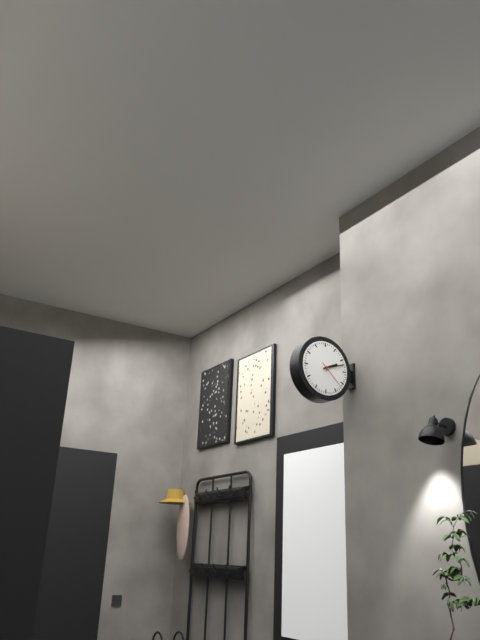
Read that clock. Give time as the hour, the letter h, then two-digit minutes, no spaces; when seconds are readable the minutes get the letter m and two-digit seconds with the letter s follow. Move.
2h12
